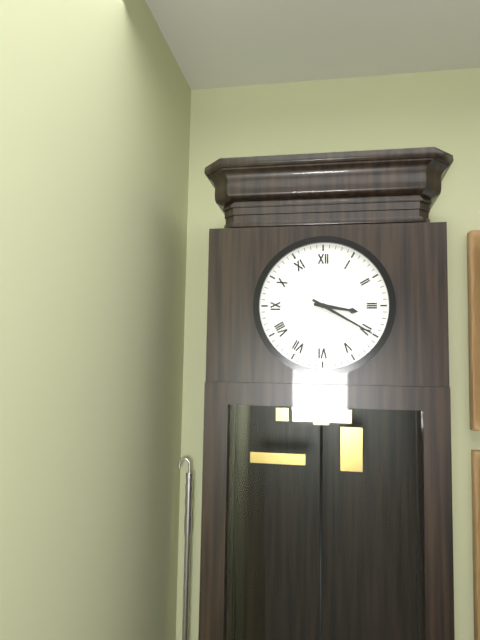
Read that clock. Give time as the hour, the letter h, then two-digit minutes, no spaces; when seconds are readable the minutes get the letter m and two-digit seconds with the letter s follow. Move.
3h20
